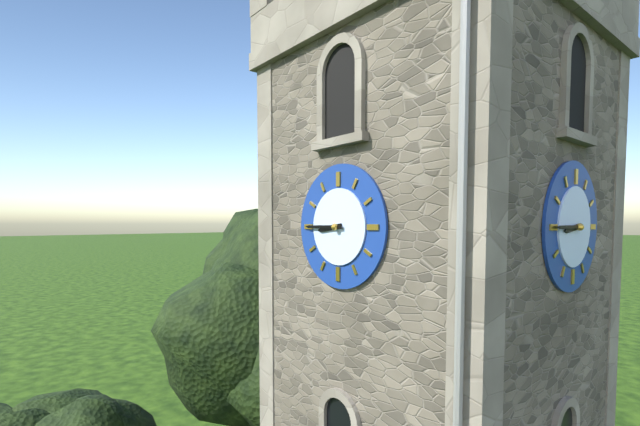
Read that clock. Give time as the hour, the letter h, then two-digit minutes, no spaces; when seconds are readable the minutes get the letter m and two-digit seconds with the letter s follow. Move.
8h45
